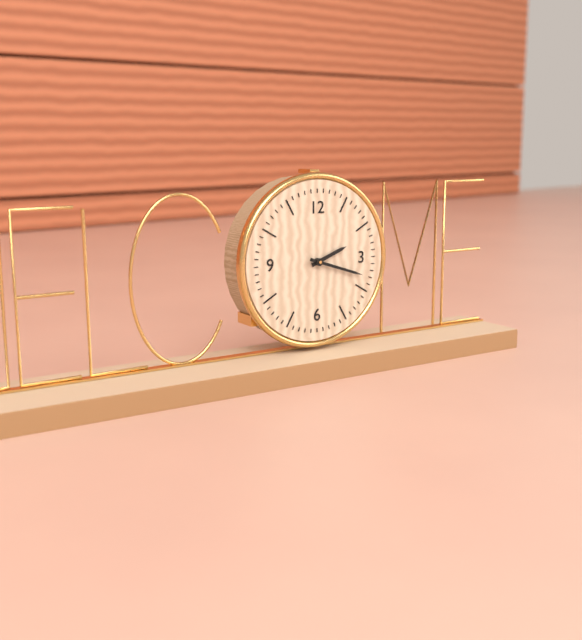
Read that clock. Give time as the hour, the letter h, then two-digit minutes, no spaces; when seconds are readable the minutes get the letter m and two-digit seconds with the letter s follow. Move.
2h18
